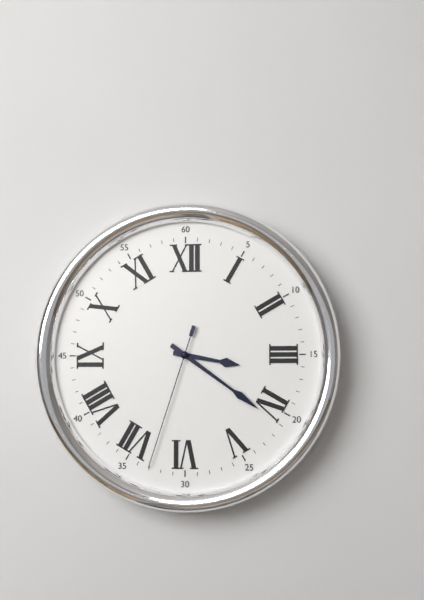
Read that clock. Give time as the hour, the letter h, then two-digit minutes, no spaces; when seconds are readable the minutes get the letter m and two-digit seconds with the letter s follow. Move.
3h21m33s
